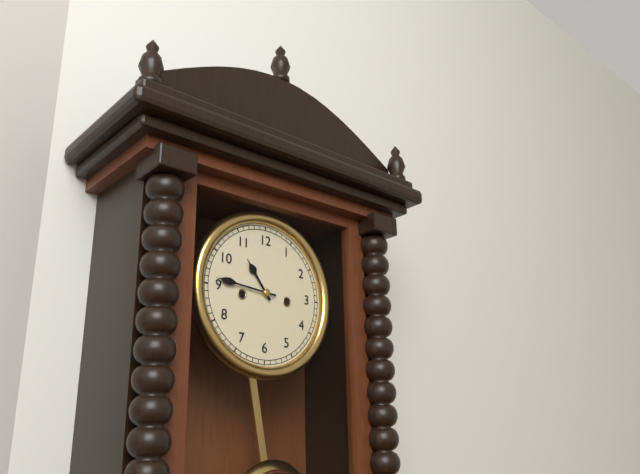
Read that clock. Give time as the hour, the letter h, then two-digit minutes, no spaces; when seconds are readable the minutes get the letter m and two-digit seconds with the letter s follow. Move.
10h46
